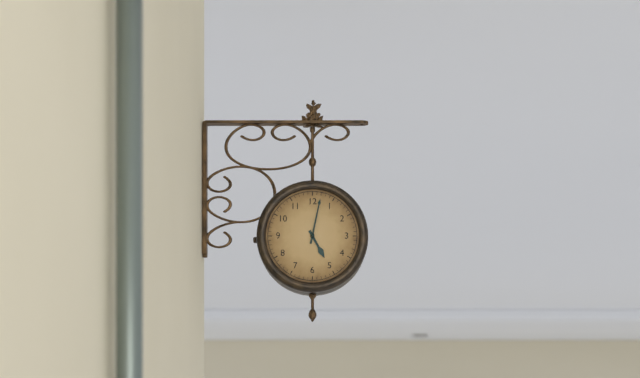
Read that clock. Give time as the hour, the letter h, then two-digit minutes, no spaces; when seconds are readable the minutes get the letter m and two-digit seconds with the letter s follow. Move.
5h02
